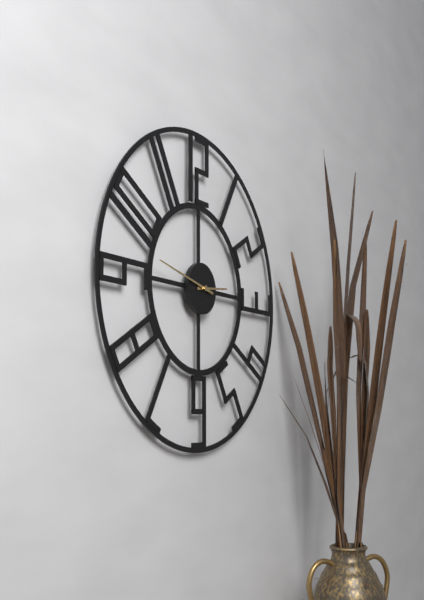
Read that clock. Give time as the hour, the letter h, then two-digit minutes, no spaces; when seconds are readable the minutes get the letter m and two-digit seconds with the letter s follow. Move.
2h47
